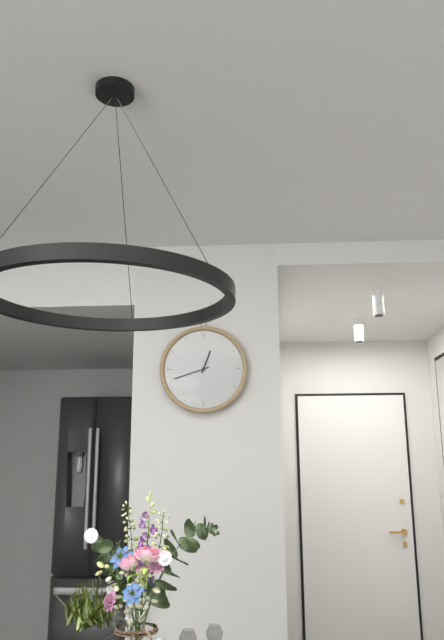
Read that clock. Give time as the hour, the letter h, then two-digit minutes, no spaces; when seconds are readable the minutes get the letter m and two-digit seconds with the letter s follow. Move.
12h42
